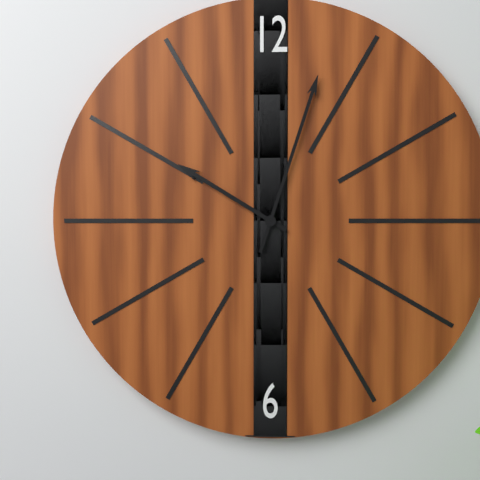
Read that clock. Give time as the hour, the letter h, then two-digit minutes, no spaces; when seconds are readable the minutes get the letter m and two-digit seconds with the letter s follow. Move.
10h03
